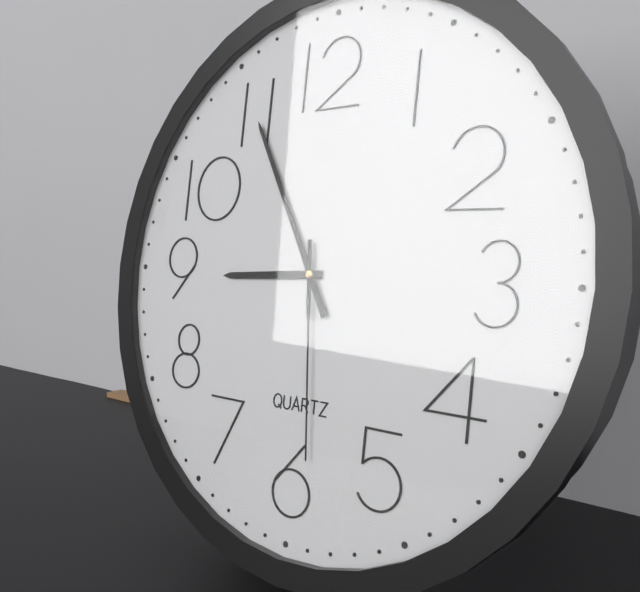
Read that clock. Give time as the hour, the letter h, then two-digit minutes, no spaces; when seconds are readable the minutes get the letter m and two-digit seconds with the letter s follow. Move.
8h55m29s
